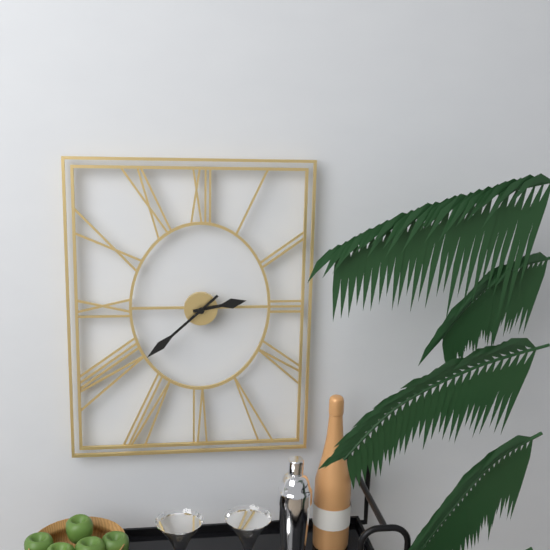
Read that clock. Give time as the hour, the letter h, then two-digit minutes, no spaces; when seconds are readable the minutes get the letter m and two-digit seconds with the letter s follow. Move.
2h38
